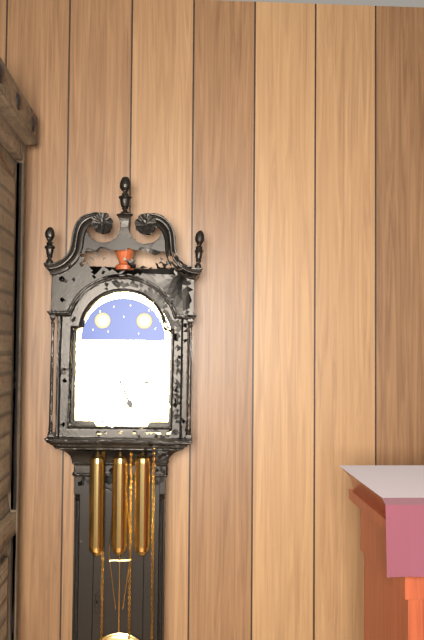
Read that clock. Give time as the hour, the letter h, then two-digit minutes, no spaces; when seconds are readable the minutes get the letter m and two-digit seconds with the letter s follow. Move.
5h13
